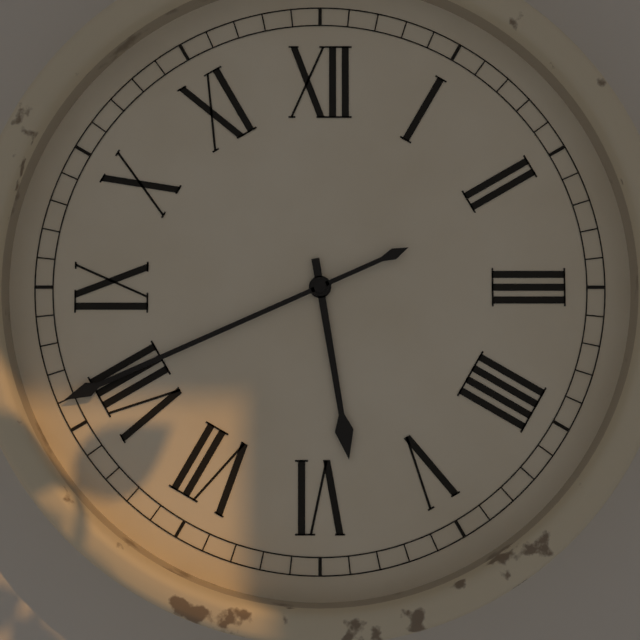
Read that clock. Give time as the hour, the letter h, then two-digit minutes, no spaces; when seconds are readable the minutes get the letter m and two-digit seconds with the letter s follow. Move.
5h41
